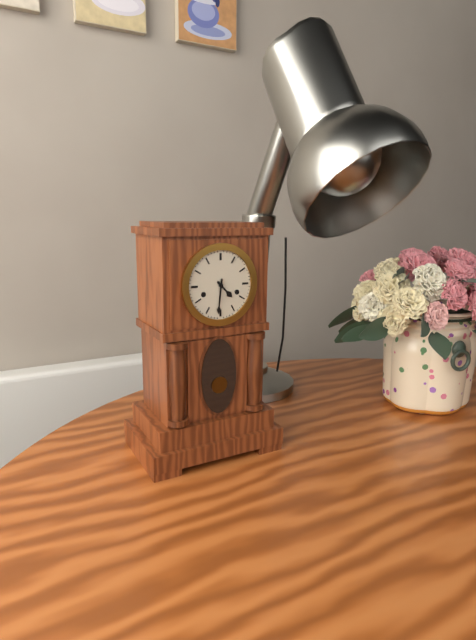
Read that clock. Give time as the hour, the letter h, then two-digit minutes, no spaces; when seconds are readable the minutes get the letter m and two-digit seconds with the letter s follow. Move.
4h31
